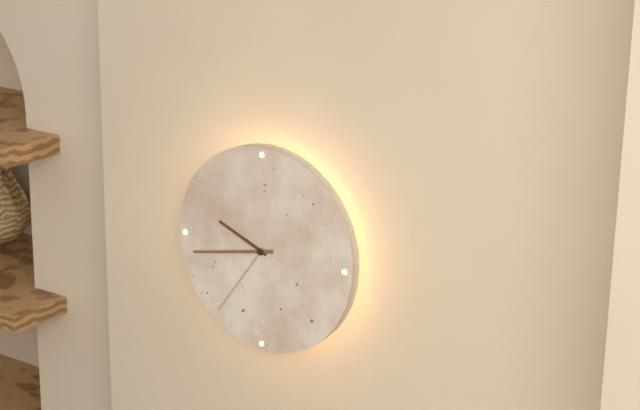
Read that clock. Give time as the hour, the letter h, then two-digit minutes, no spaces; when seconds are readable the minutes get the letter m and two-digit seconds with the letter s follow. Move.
9h43m36s
